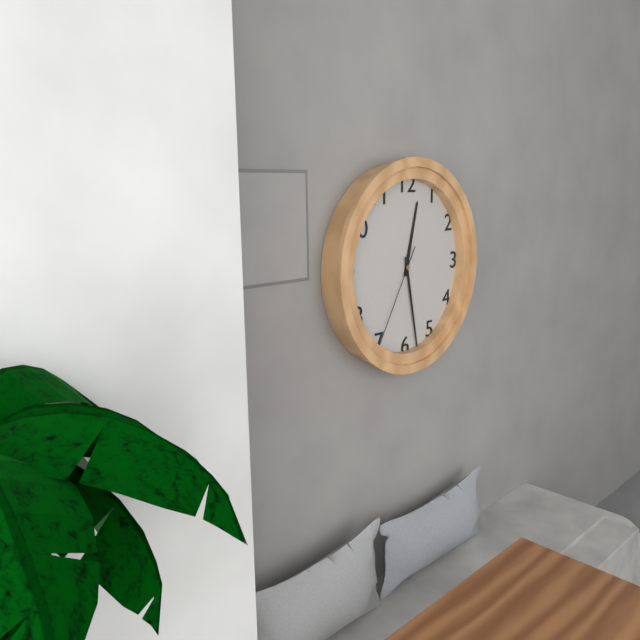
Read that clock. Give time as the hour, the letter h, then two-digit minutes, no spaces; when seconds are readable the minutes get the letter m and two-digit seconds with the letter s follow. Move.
12h28m35s
